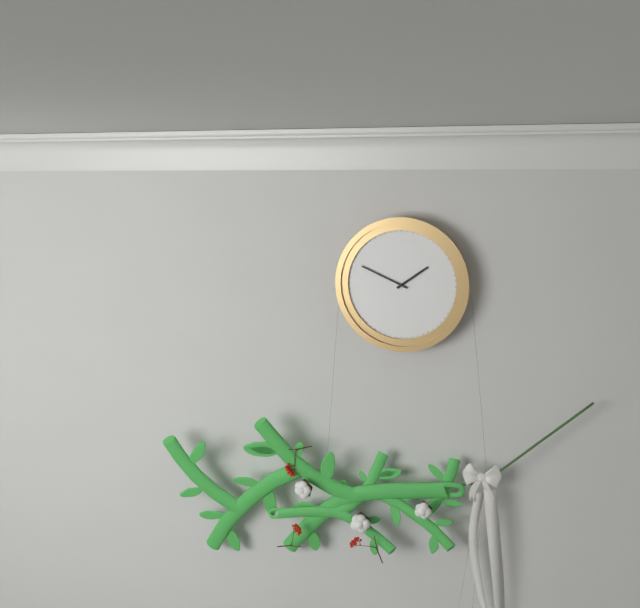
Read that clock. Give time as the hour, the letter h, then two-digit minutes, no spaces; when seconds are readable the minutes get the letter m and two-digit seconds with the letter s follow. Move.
1h49
